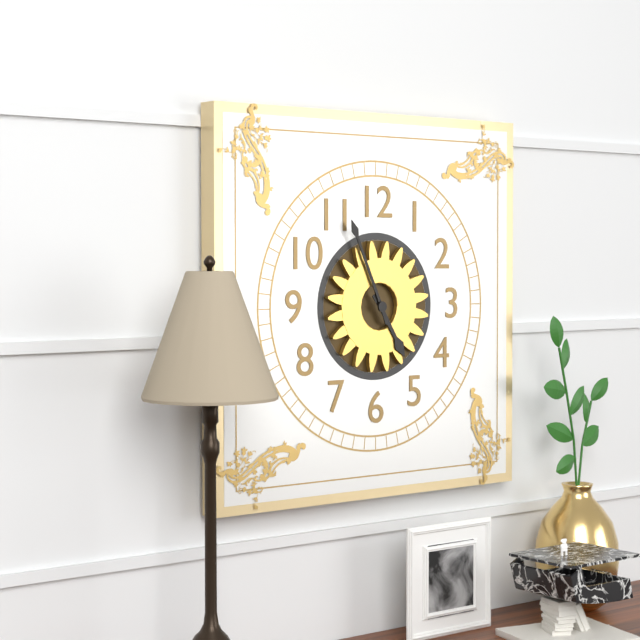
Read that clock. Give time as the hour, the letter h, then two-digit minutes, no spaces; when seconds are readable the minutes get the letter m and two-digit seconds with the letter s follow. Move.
4h56
